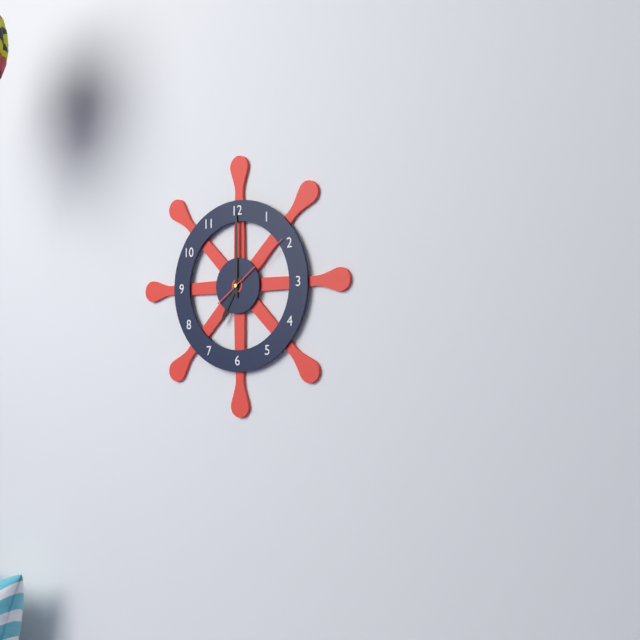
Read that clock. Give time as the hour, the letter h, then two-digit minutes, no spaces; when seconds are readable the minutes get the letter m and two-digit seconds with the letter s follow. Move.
7h00m09s
